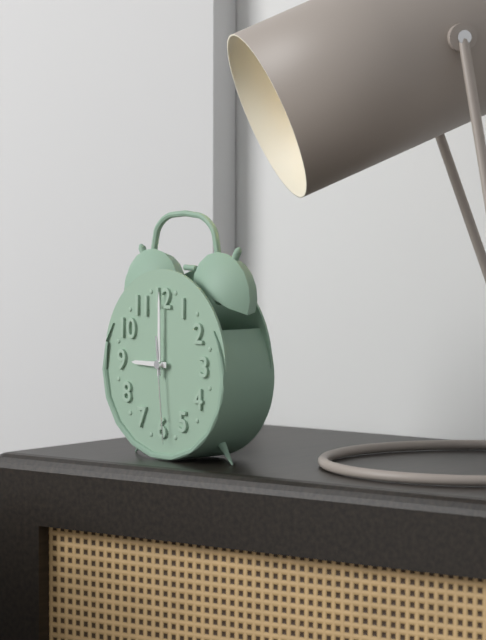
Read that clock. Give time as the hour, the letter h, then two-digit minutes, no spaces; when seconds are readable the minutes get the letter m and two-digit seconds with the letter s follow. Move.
9h00m29s
